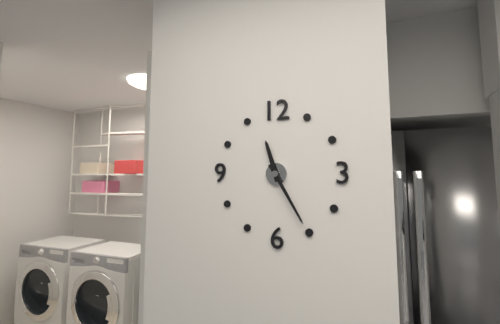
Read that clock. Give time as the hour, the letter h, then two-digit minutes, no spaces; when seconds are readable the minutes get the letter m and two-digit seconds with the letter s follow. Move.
11h25
